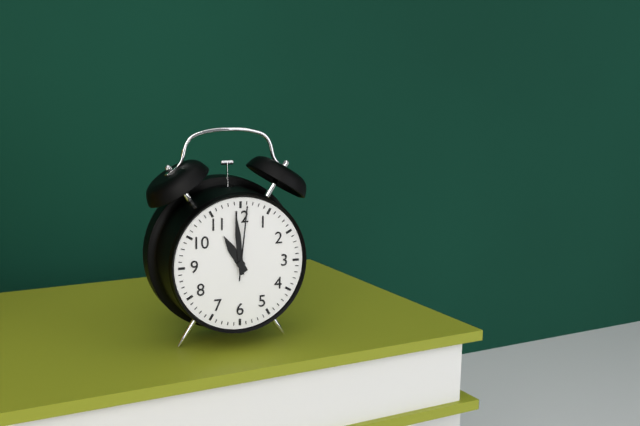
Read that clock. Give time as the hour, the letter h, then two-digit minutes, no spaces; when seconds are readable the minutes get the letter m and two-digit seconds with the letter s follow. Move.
10h59m01s
